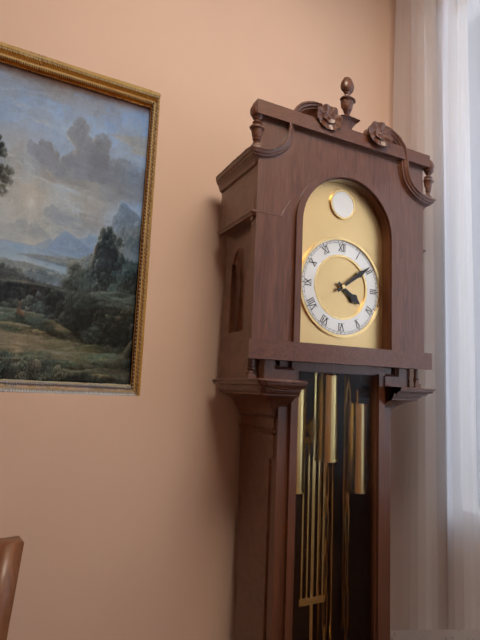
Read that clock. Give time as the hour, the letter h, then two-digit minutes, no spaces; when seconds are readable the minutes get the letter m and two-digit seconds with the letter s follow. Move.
4h09
